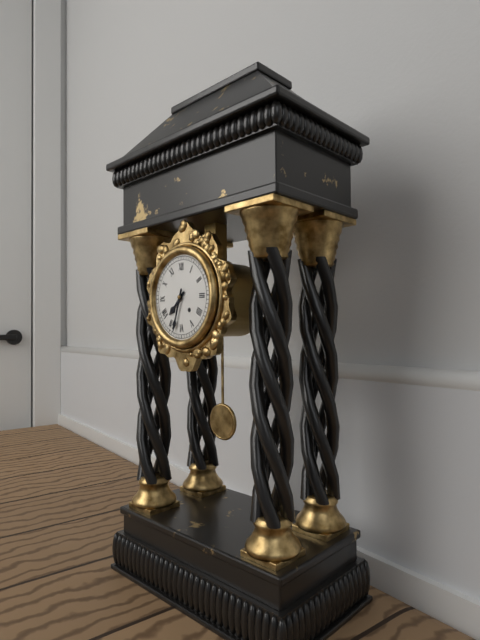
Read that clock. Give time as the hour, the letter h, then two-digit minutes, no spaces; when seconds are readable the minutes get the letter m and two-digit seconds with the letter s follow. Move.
7h33
